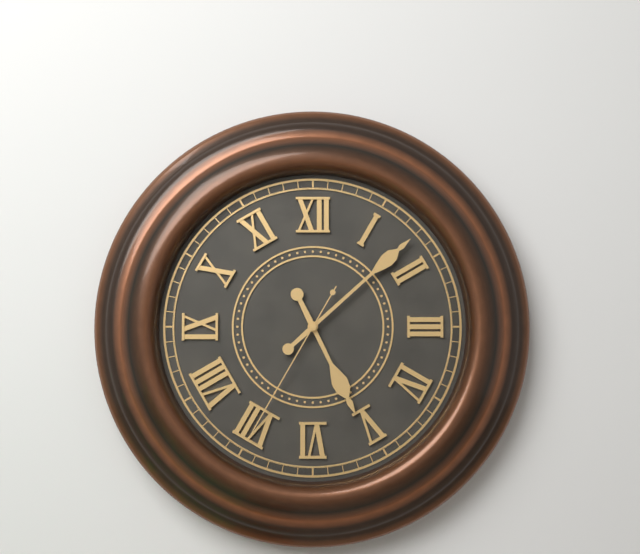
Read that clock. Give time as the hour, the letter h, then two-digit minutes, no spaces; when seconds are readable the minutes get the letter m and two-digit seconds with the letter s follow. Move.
5h08m35s
